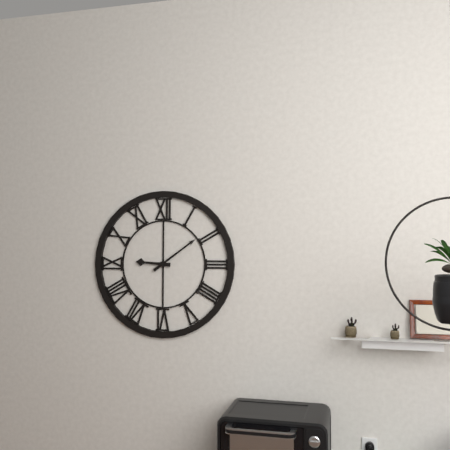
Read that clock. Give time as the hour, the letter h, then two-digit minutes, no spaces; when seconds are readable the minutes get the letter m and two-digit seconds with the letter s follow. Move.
9h09
